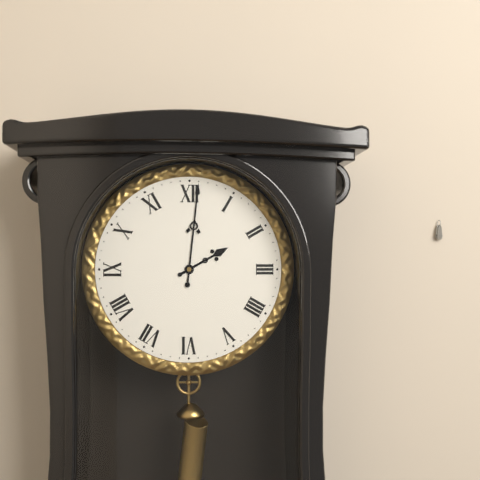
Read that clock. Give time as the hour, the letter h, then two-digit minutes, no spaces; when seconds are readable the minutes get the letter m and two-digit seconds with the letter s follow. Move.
2h01
